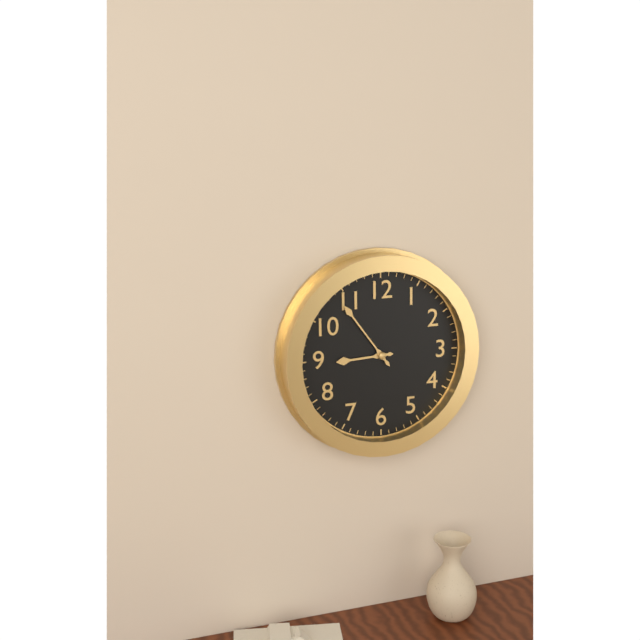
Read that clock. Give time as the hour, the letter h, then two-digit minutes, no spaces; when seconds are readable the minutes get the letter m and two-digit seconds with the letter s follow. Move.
8h54
